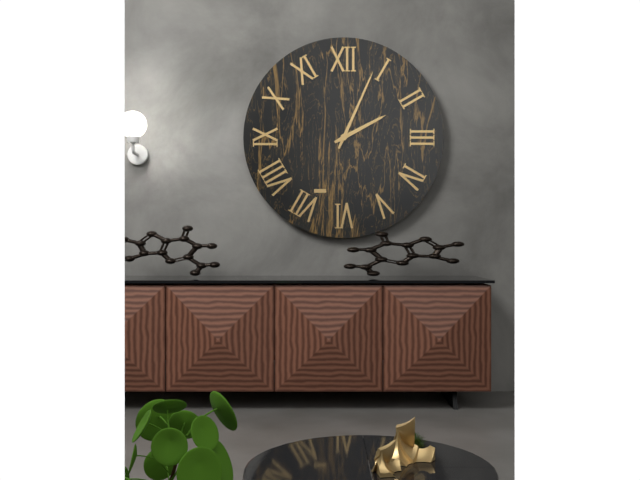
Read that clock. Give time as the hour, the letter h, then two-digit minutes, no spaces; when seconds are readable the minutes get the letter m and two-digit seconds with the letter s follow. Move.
2h04
